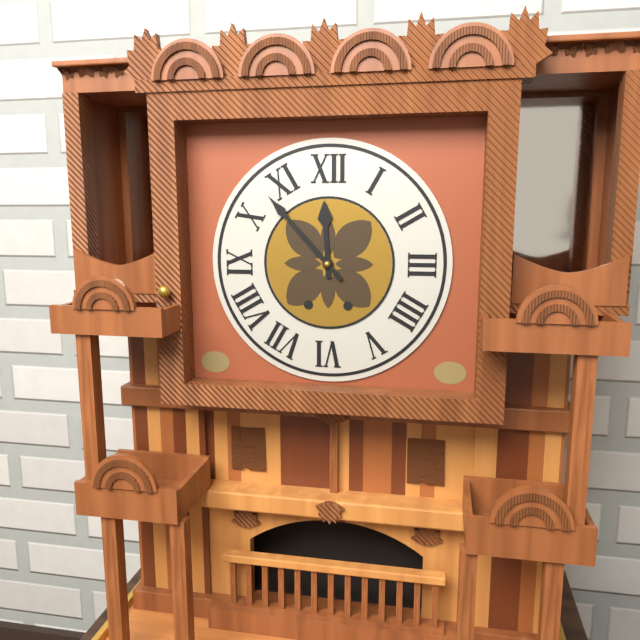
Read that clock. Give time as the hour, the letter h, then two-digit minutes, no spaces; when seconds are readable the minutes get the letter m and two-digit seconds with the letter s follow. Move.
11h53
